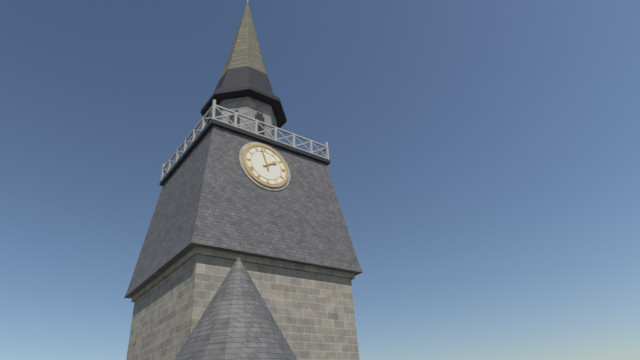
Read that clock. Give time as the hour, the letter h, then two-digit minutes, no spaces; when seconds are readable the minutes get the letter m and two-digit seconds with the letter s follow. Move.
1h58
